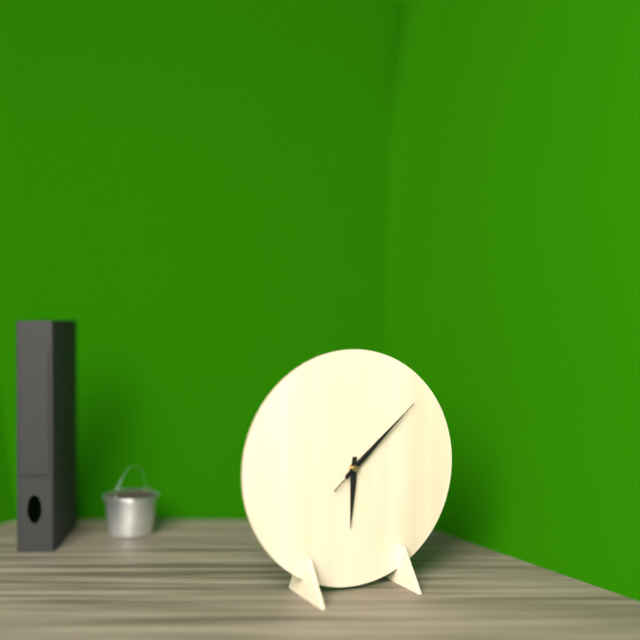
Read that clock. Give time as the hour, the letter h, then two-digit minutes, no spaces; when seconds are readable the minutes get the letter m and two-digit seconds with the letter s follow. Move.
6h08m08s
